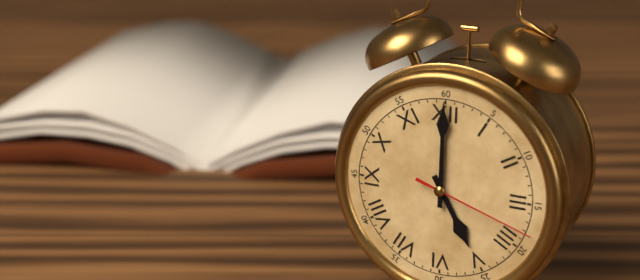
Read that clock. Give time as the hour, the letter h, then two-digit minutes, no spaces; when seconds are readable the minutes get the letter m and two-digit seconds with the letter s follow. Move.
5h00m18s
